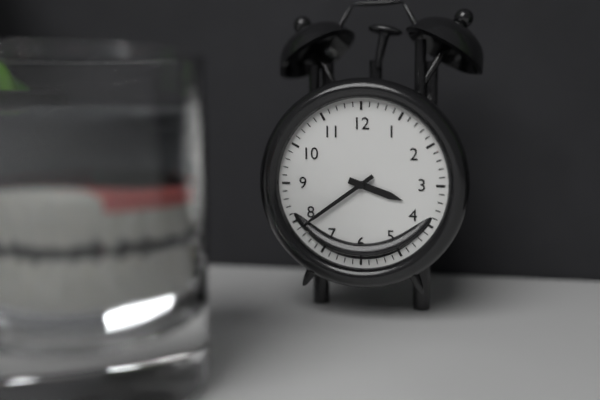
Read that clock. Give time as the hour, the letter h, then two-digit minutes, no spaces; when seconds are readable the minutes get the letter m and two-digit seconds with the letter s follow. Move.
3h39
